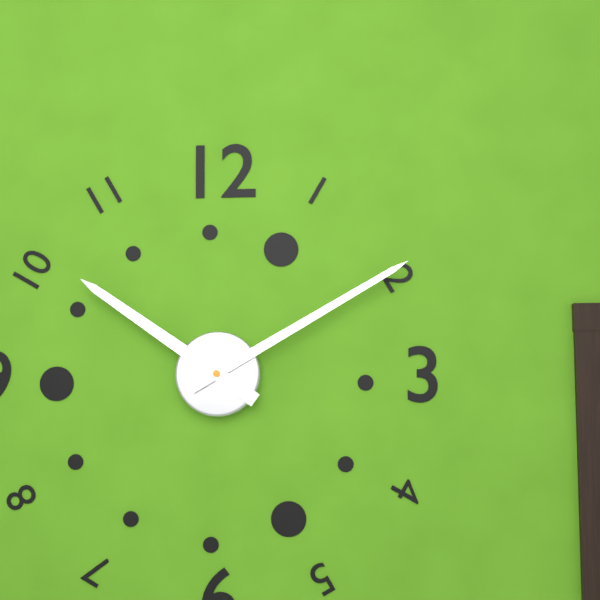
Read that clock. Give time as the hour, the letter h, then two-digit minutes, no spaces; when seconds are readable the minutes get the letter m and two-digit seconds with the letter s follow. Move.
10h10
